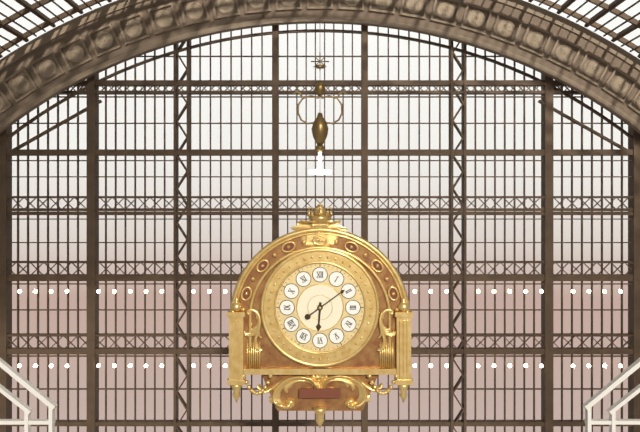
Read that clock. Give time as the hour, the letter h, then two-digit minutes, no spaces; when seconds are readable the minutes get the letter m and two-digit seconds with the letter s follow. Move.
6h09
